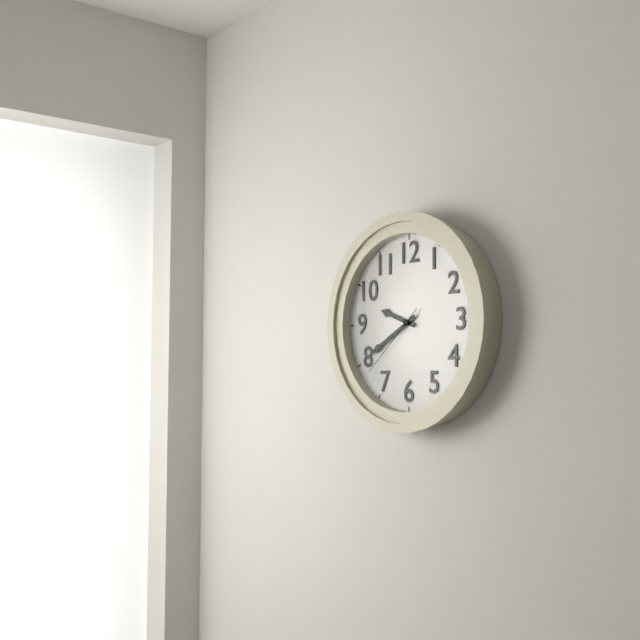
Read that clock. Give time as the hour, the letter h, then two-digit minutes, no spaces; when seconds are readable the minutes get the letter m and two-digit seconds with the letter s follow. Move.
9h40m38s
